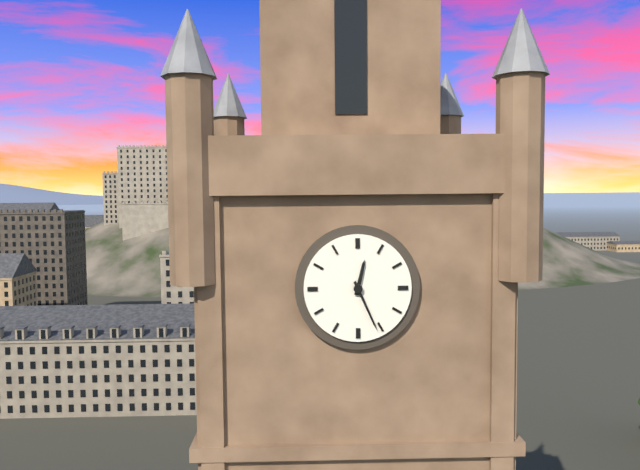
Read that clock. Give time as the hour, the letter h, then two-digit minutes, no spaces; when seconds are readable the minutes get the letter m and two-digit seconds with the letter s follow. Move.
12h26
